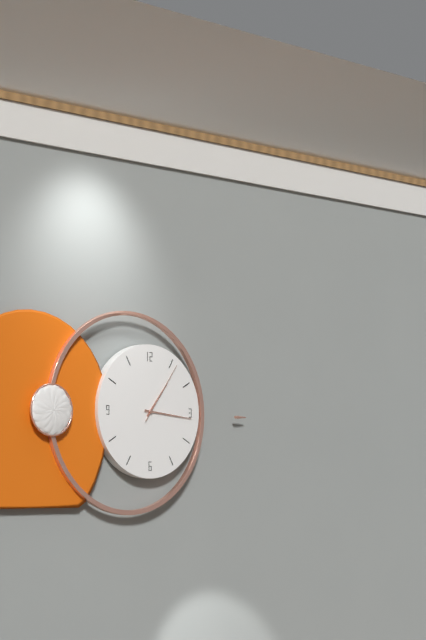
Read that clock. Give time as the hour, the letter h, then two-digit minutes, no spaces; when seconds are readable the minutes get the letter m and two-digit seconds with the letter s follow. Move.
1h16m06s
